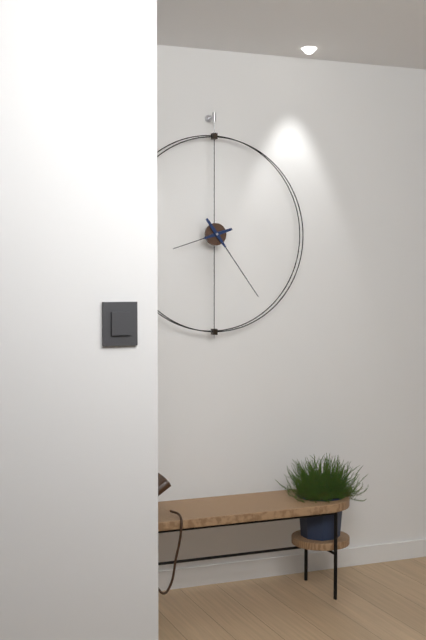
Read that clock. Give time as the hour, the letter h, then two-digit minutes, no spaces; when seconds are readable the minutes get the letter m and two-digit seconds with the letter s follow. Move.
8h24
